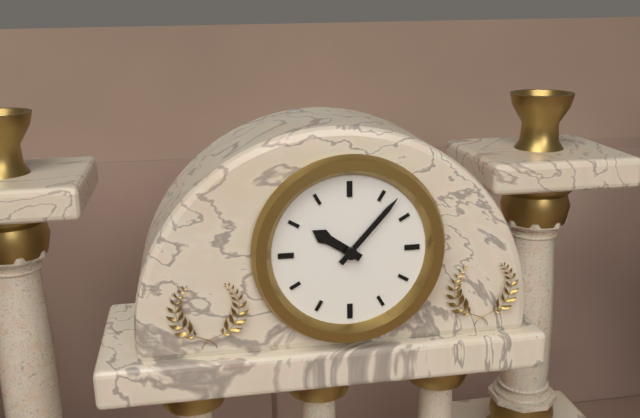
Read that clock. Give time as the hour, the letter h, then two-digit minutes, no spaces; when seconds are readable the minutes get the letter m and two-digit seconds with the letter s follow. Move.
10h07
